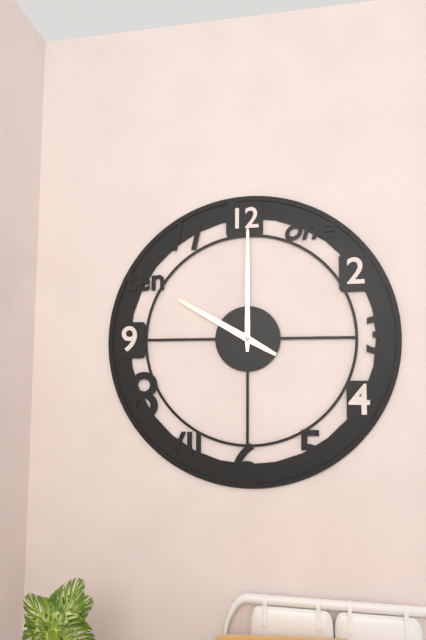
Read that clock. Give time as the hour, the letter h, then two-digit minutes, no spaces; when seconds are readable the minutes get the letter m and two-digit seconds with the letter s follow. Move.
10h00
